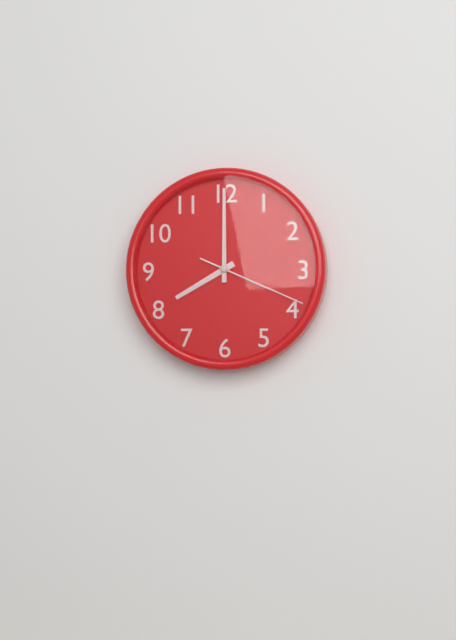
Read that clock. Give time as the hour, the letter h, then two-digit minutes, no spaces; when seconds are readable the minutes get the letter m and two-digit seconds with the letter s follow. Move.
8h00m19s
